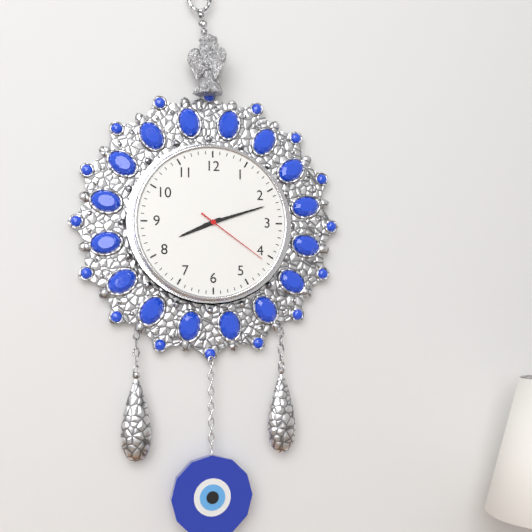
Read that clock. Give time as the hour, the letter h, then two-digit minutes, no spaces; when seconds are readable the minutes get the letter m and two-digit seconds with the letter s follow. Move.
8h12m21s
